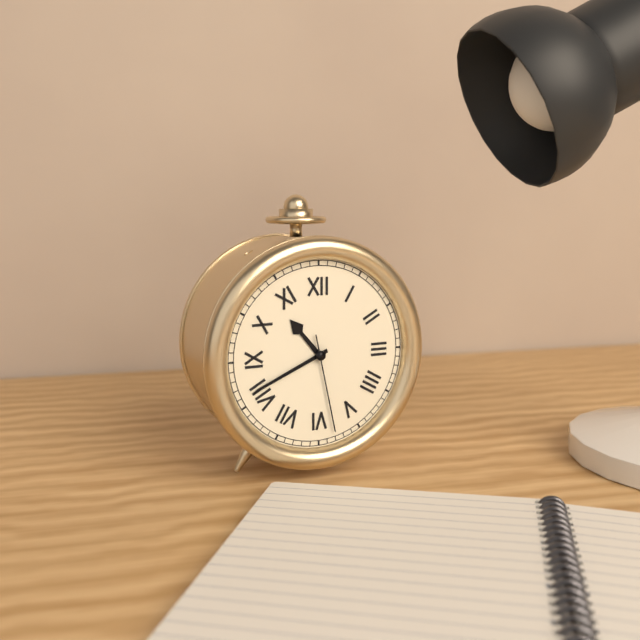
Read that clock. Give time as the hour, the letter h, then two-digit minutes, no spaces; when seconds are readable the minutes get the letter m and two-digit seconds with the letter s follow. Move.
10h41m28s
